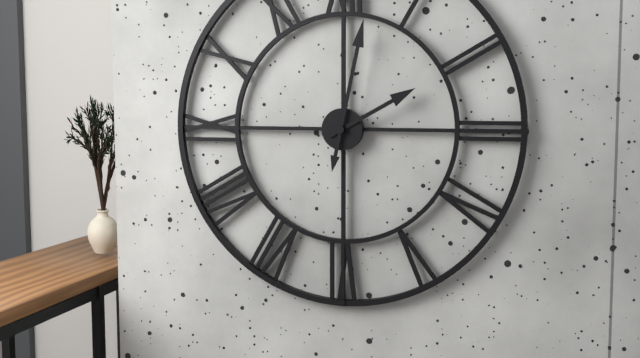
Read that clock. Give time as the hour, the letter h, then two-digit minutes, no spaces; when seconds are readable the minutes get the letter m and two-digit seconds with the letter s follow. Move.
2h02
